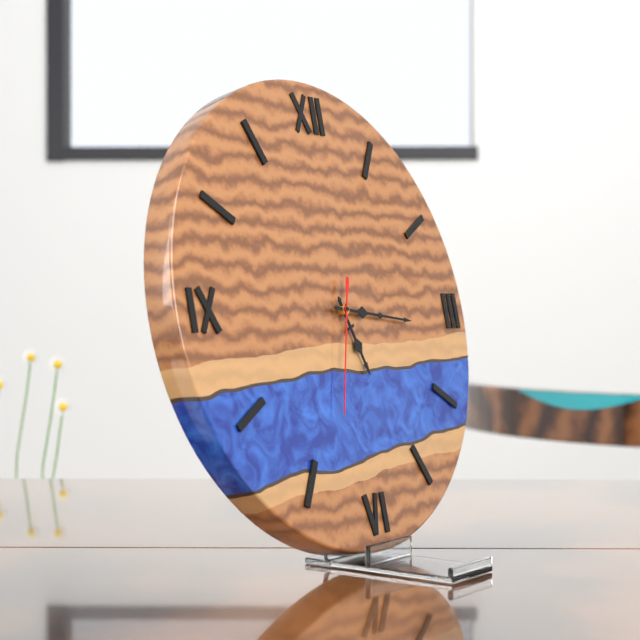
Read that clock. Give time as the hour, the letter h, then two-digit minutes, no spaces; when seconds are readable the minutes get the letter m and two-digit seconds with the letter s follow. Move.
5h16m33s
